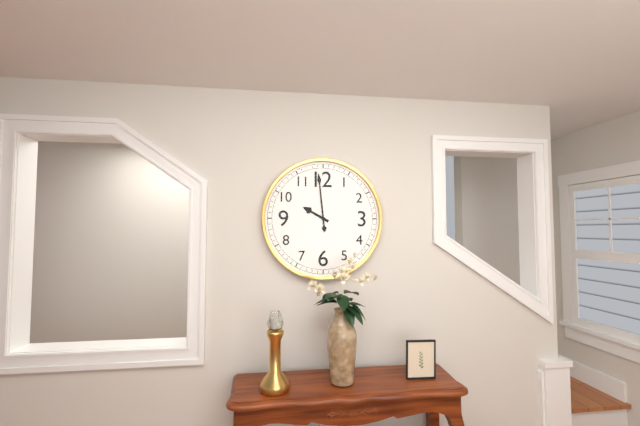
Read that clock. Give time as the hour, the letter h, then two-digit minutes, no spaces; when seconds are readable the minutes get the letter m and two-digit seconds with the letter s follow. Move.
9h59
